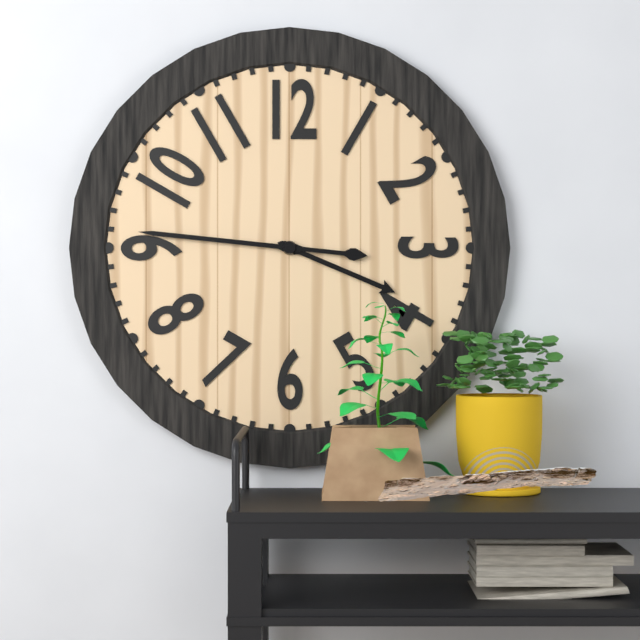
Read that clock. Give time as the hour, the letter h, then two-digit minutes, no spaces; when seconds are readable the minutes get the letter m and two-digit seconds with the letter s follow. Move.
3h46
